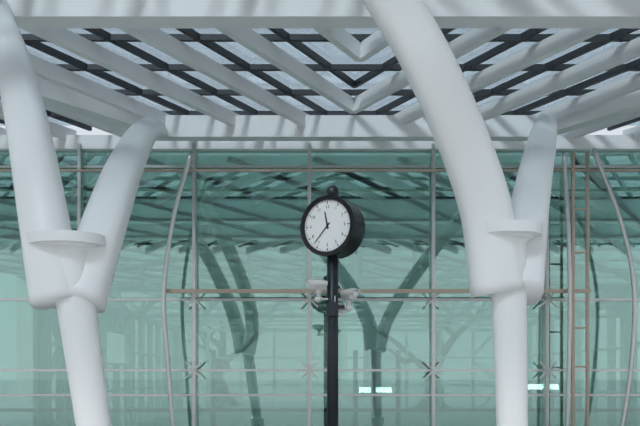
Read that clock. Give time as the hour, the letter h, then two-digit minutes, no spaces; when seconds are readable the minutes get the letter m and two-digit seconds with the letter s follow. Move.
11h37
